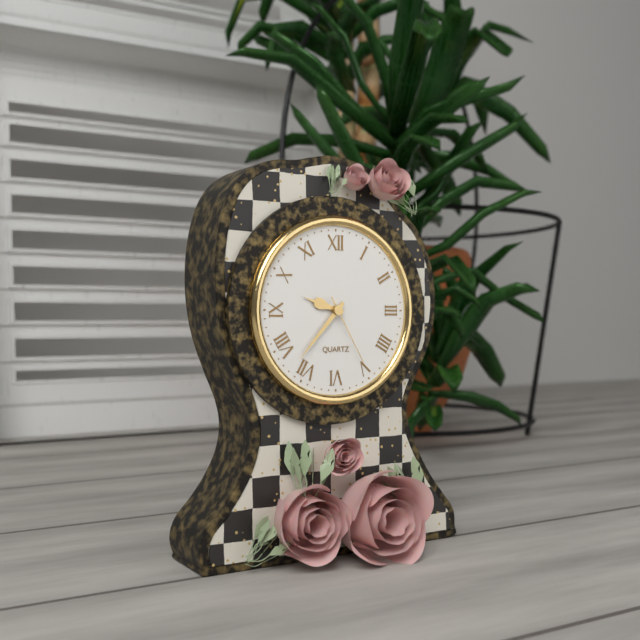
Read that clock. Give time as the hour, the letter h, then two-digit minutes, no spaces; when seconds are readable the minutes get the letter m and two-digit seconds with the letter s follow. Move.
9h37m25s
